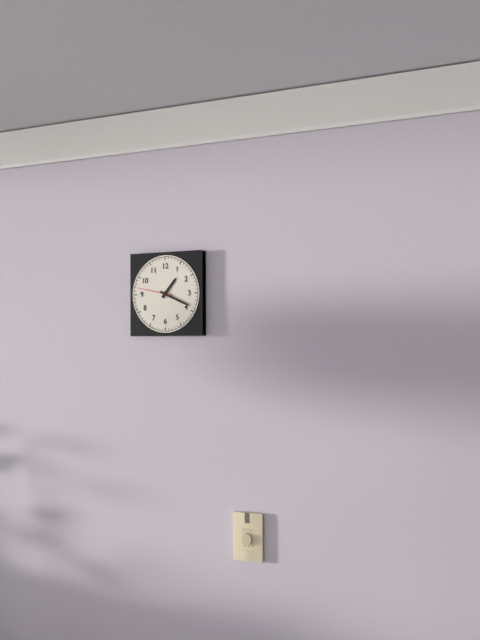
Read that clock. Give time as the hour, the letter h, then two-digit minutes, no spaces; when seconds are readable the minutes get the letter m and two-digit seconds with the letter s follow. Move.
1h19
